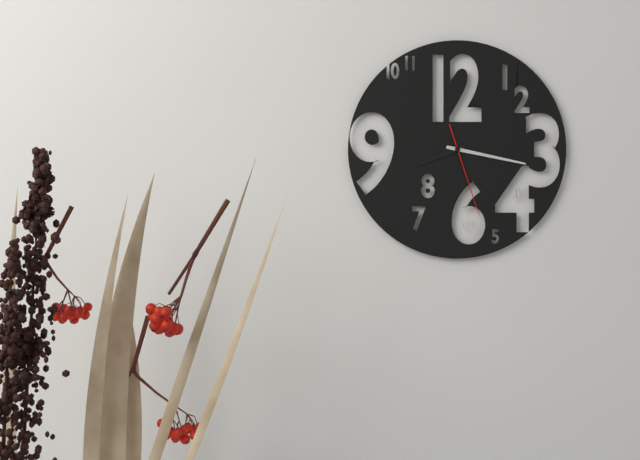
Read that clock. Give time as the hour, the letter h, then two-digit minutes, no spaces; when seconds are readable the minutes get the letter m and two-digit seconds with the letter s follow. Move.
8h17m27s
